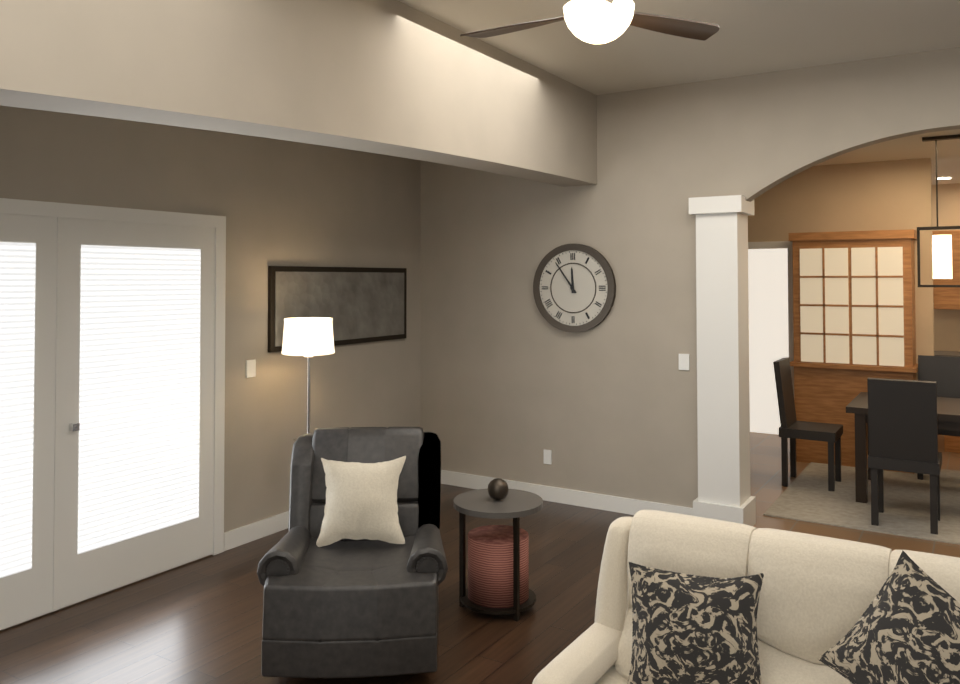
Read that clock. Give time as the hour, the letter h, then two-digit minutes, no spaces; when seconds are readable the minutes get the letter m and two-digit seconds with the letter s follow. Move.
11h54
